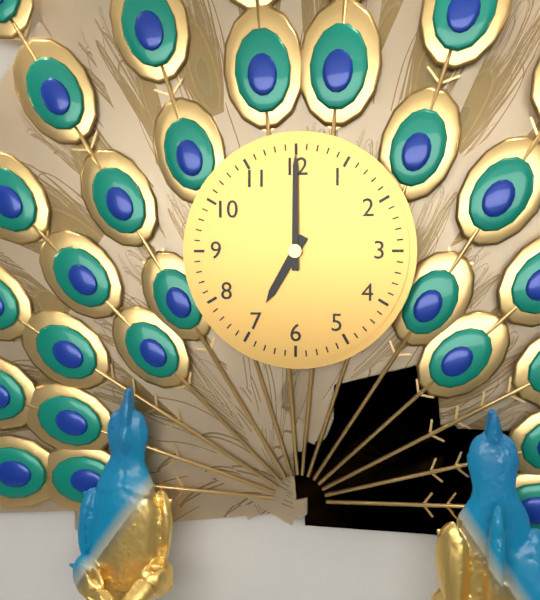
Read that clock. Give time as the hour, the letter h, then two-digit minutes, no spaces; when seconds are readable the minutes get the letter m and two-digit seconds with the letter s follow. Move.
7h00
